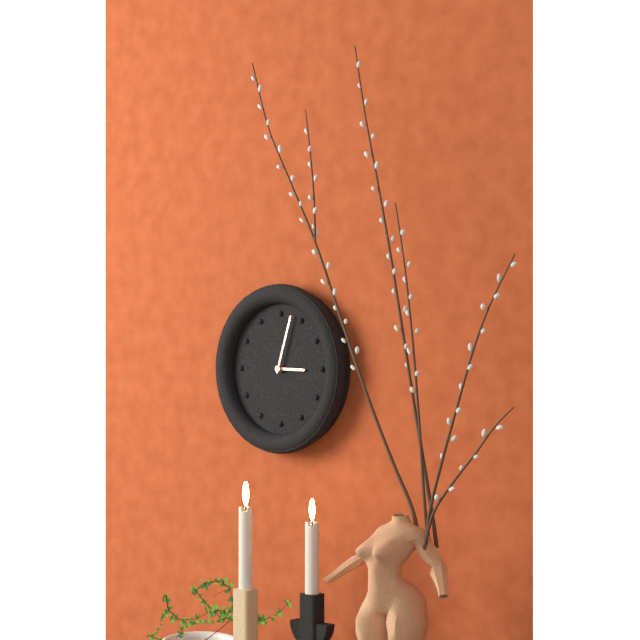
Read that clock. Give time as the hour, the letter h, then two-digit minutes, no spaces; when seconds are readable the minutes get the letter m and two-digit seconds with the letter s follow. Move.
3h03
